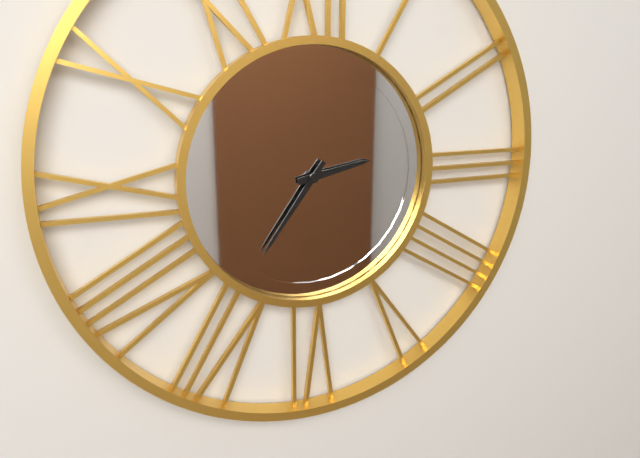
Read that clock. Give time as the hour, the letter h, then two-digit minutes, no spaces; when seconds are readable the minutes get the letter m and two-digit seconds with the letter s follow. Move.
2h36
